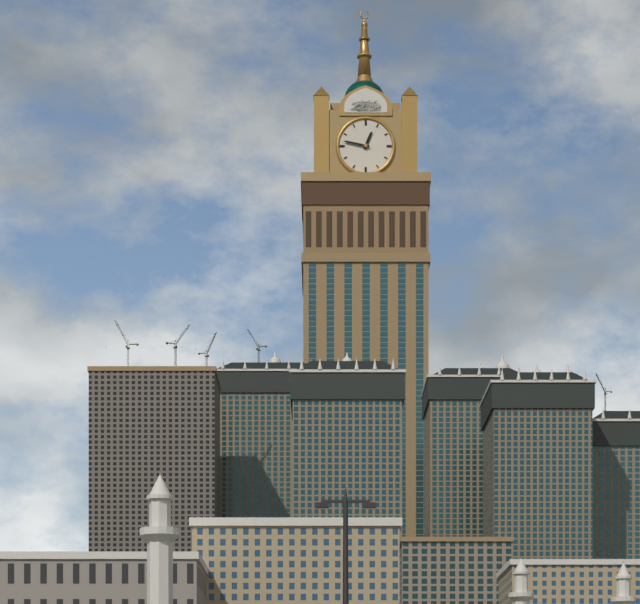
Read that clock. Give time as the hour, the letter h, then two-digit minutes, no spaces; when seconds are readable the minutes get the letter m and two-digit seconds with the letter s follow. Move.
12h47
